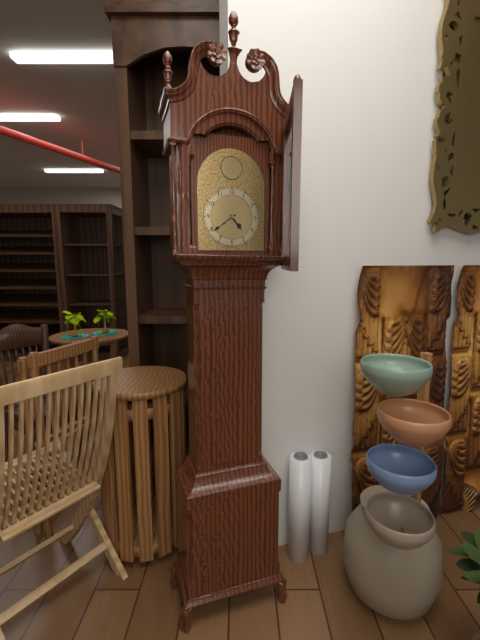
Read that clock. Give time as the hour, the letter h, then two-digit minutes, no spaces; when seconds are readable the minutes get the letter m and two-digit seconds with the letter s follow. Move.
4h39
